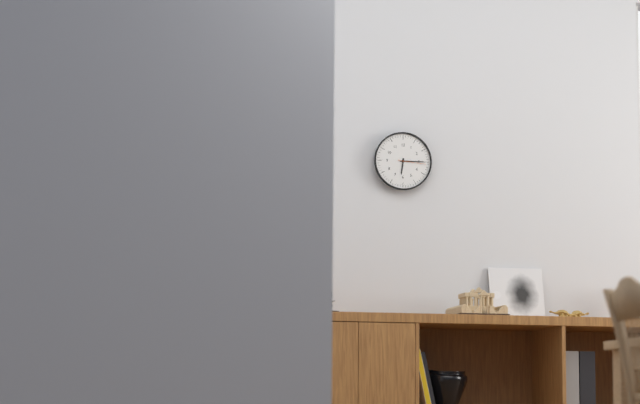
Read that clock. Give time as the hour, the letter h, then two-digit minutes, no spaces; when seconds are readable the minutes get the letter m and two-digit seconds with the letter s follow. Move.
6h15
